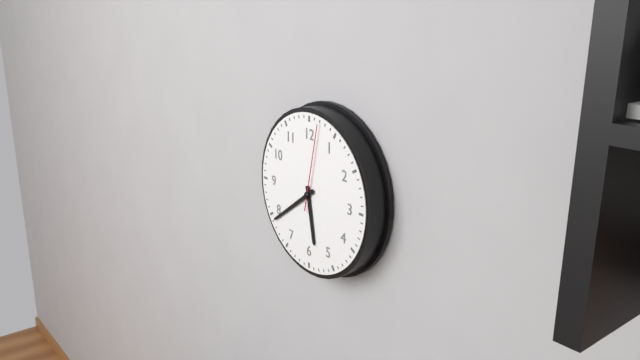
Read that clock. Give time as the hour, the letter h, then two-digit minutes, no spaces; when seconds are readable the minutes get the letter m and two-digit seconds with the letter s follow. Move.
5h39m02s
